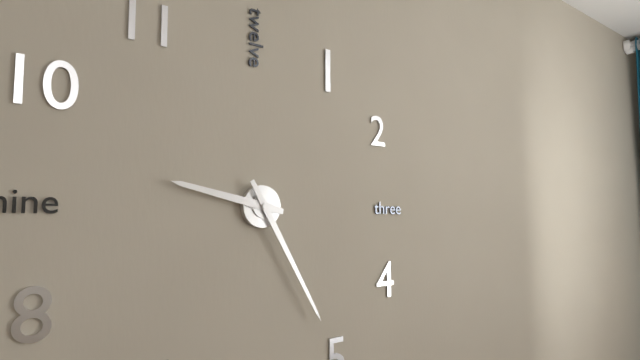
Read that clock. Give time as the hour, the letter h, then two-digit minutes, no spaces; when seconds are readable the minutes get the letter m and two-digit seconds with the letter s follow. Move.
9h25
